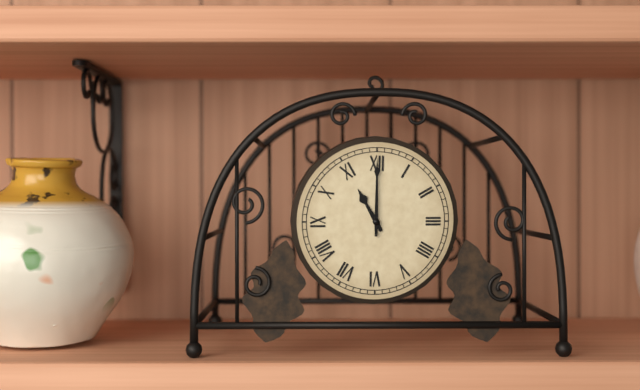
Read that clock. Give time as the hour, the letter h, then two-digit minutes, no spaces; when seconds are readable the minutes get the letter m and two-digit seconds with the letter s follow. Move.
11h00
